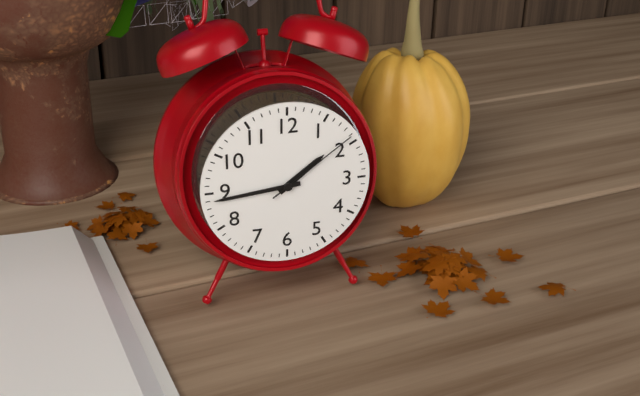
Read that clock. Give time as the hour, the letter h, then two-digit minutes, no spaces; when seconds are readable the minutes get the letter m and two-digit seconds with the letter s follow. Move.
1h44m09s
